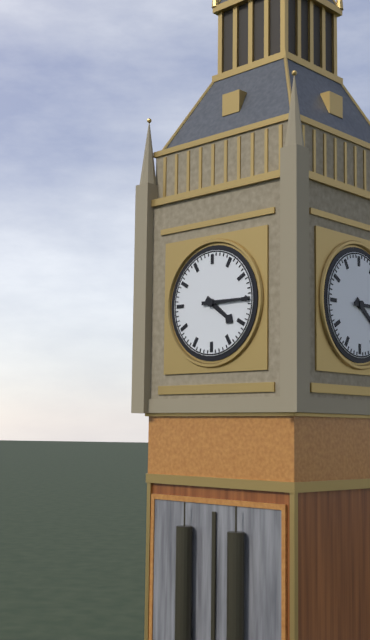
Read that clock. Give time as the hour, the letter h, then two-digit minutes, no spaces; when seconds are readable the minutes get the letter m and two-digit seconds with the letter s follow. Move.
4h15
